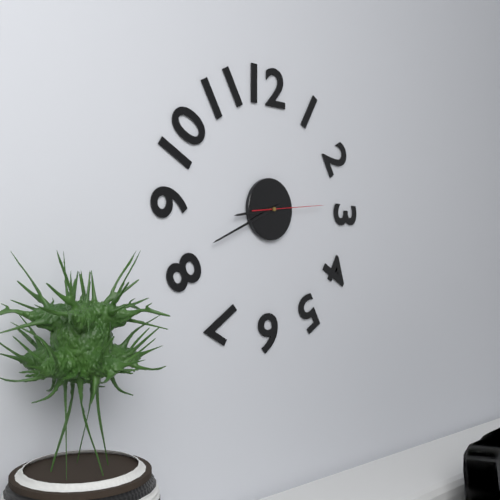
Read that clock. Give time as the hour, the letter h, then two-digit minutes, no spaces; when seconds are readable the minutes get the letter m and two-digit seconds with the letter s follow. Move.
8h41m14s
